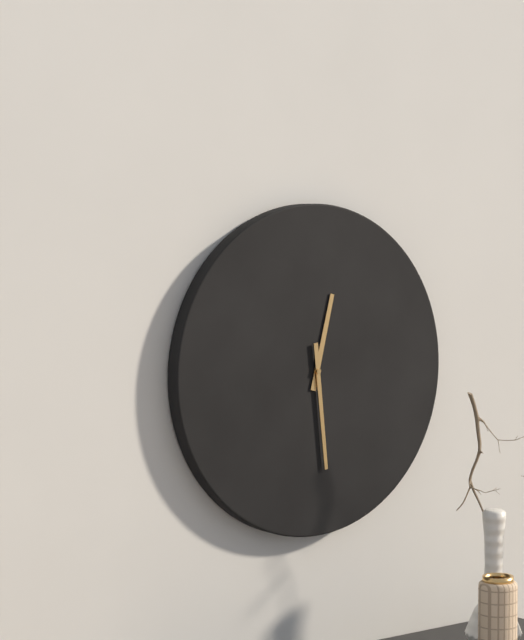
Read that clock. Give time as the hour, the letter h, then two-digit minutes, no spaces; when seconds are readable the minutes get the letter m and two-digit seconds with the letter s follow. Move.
12h29
